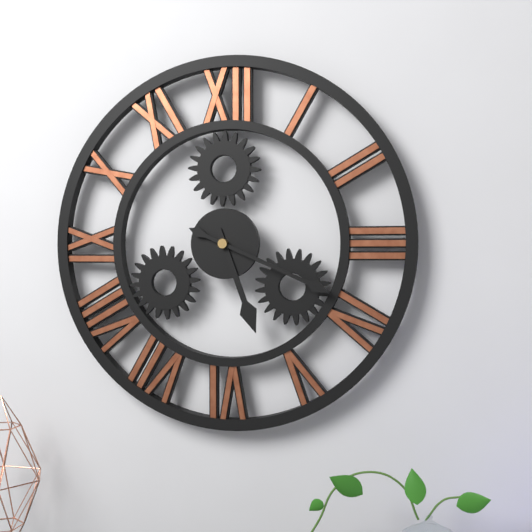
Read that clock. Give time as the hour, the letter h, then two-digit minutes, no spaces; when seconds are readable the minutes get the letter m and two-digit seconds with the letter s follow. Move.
5h19
